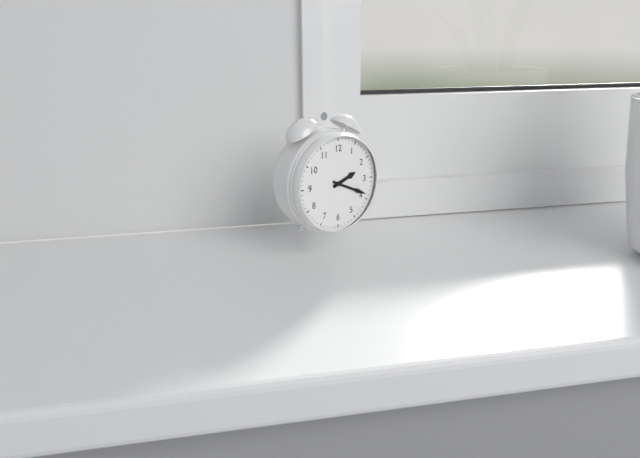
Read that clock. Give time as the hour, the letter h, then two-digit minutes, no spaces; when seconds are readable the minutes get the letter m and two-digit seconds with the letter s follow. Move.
2h19
